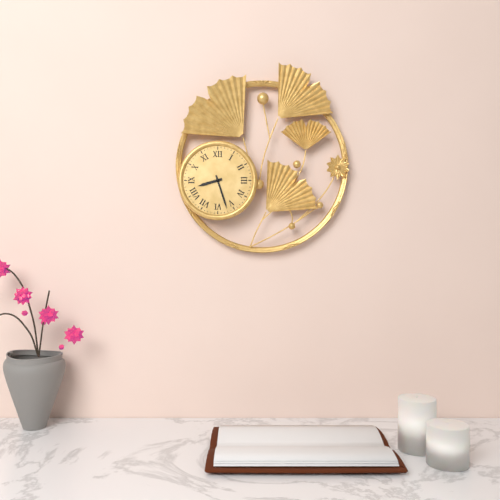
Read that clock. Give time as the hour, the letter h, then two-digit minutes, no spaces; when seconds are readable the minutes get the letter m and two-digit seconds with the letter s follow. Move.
8h27
